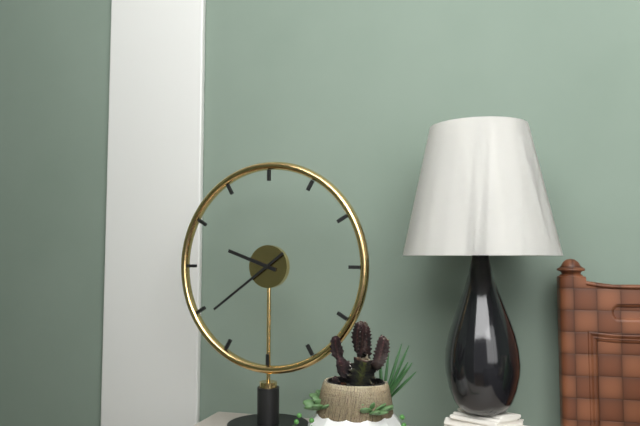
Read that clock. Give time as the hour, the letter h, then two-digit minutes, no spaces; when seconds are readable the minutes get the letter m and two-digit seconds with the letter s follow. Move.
9h39
